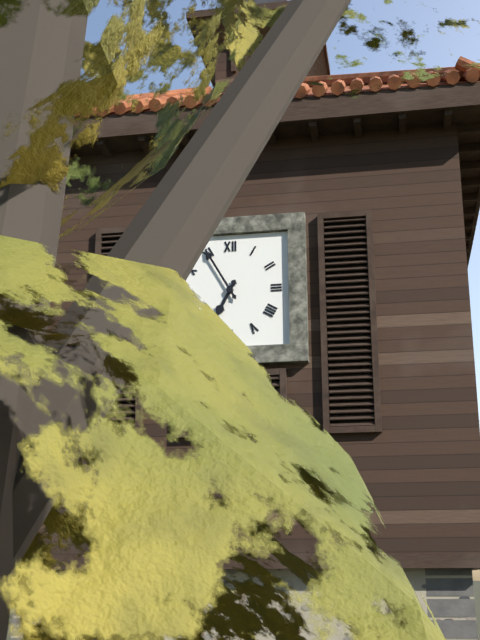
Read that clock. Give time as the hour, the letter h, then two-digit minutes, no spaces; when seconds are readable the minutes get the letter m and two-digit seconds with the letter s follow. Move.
6h55
